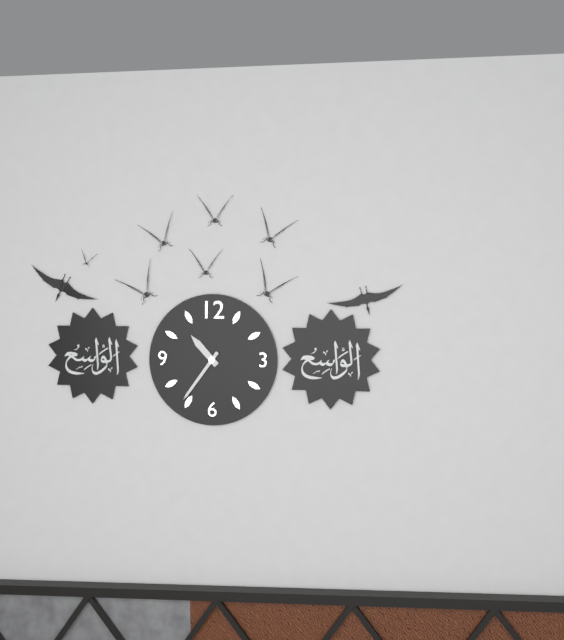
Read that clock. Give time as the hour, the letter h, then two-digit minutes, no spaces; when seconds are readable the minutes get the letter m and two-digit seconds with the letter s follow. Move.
10h36
